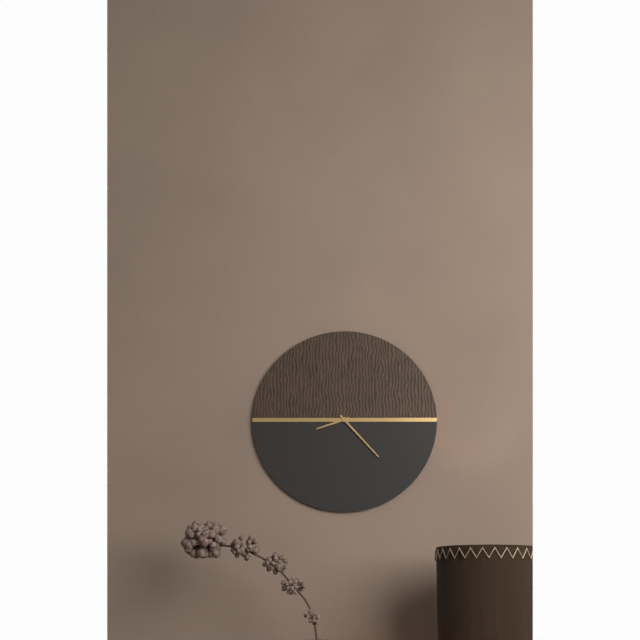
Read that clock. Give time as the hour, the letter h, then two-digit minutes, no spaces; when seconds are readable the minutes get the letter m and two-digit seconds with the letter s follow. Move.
8h23
